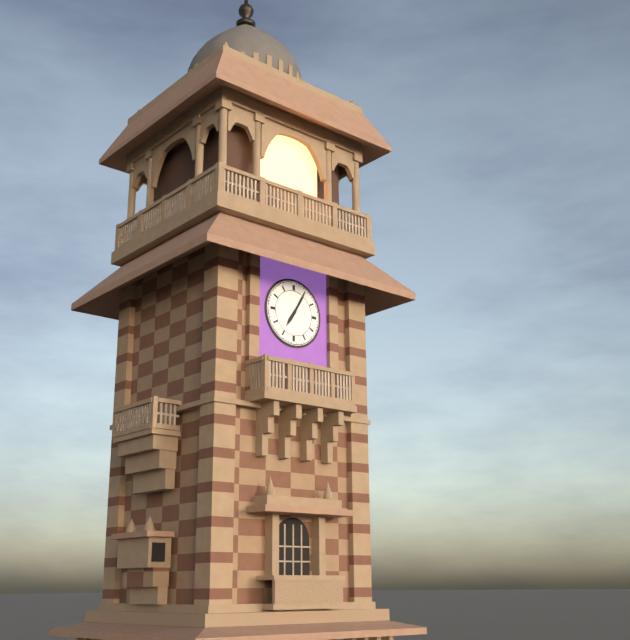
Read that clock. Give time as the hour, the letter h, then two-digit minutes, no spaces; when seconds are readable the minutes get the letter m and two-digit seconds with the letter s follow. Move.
7h05
